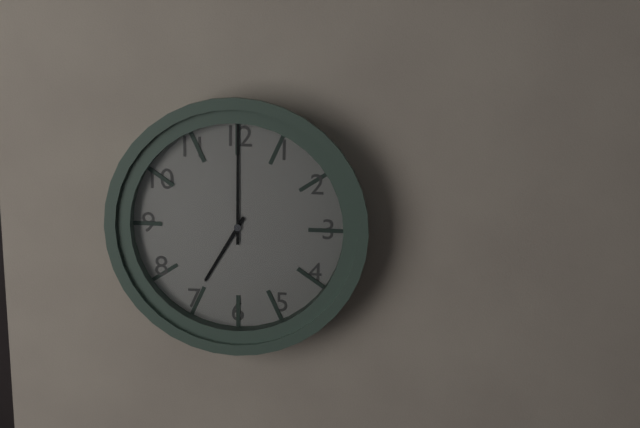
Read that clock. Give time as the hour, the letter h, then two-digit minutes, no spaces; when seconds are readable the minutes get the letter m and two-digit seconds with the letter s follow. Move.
7h00
